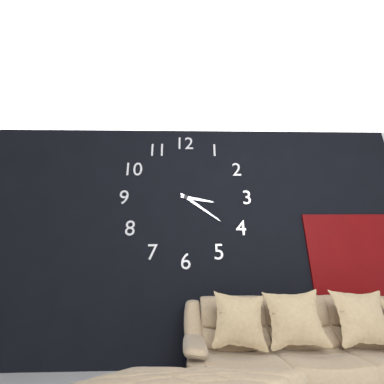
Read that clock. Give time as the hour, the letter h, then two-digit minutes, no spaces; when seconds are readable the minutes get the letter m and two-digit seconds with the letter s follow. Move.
3h21
